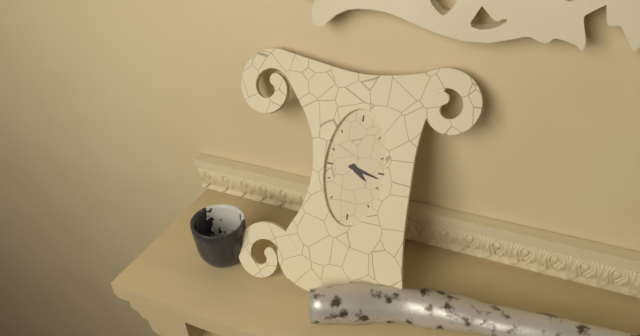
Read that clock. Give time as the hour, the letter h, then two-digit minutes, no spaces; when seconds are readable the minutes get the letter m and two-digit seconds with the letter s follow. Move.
4h17
